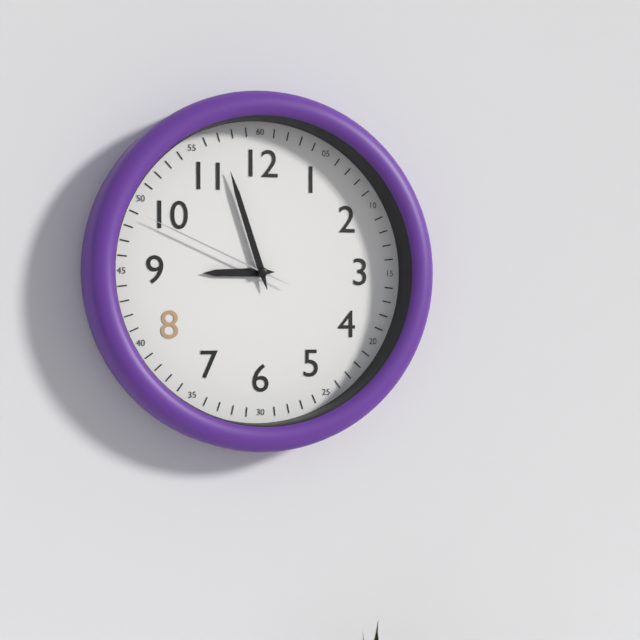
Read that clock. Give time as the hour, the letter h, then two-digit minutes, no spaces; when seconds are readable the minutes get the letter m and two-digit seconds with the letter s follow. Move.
8h57m49s
